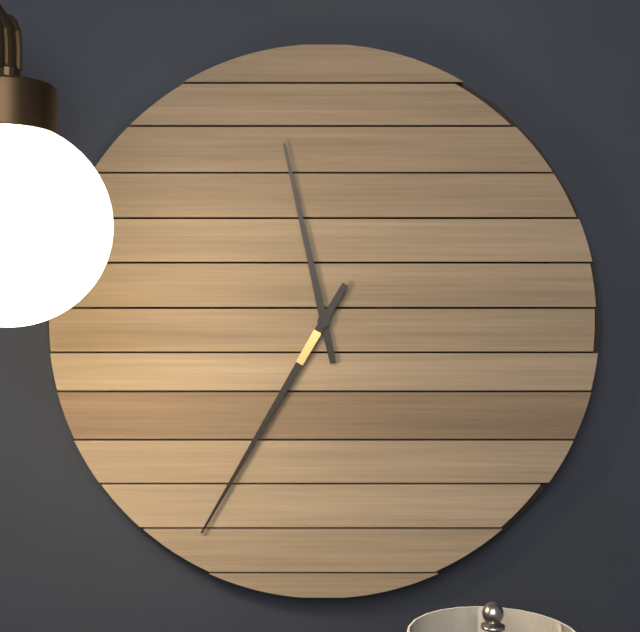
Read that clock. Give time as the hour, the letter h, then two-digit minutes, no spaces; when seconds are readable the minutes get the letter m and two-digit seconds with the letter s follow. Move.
11h35
